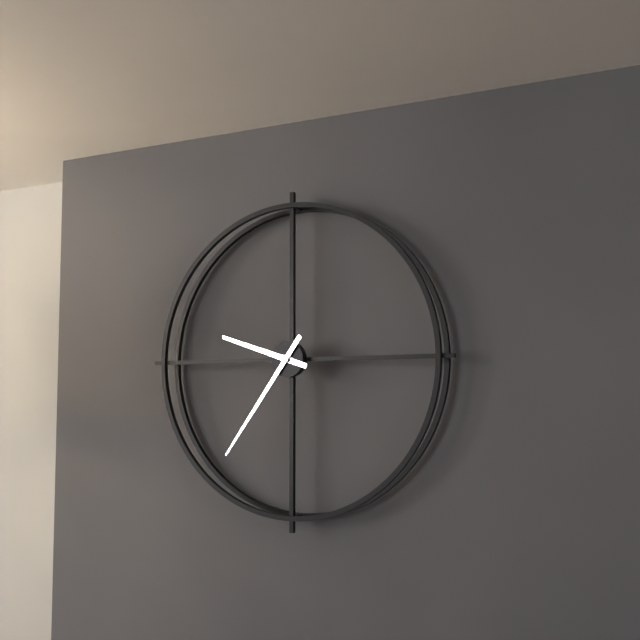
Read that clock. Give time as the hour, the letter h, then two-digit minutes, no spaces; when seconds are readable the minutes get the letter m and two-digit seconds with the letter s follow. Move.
9h36
